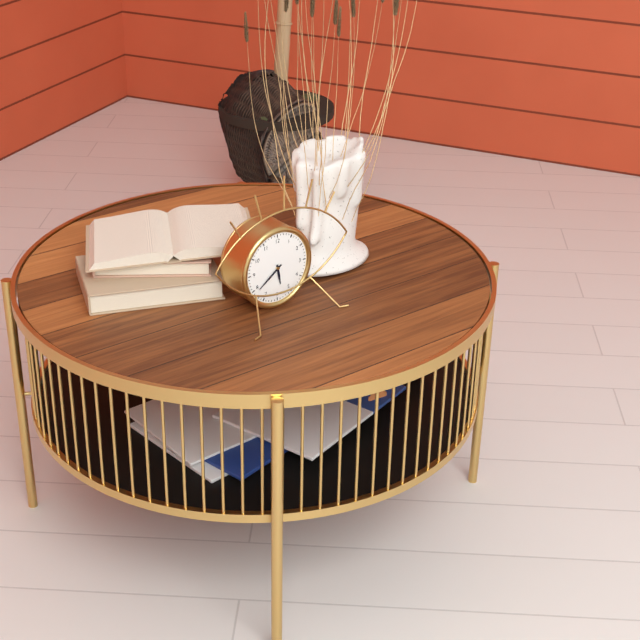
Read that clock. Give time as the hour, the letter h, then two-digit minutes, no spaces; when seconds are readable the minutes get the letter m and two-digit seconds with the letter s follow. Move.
5h39
